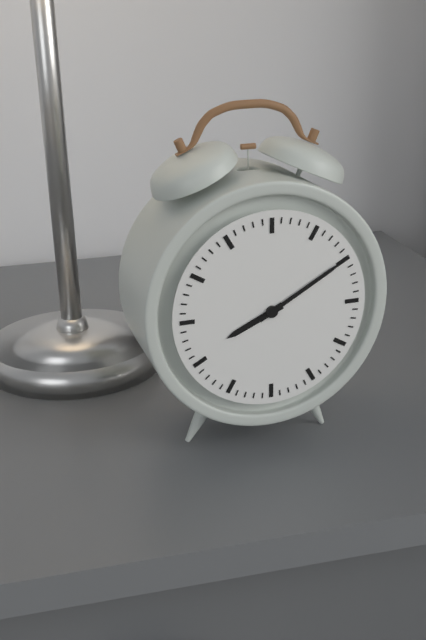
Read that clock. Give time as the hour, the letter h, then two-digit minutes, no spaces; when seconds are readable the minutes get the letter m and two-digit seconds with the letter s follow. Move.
8h10
